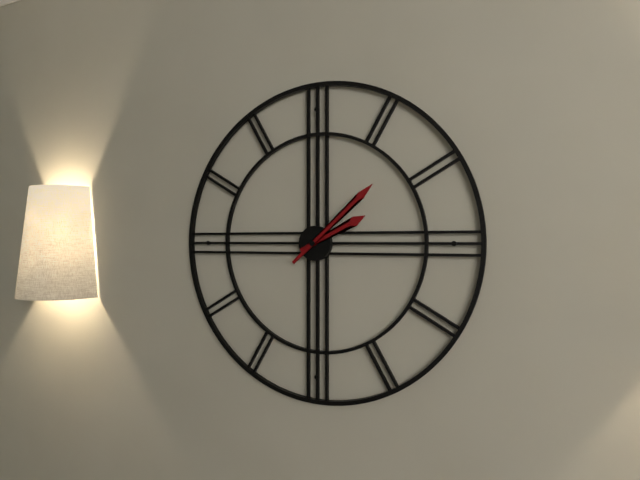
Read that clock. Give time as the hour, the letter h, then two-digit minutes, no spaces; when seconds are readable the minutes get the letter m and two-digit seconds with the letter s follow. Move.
2h08
